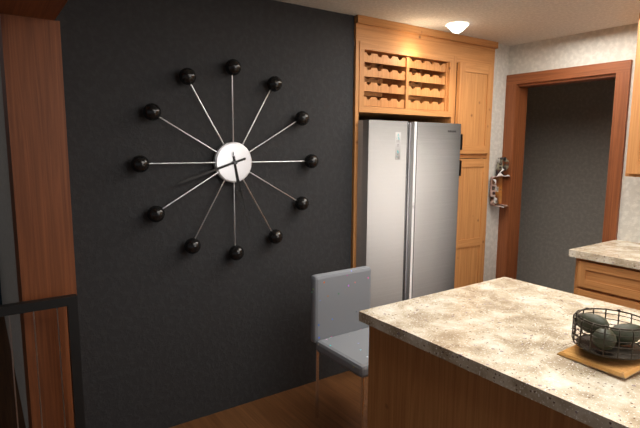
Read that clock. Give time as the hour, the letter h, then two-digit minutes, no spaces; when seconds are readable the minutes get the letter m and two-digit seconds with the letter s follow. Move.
5h42m28s
